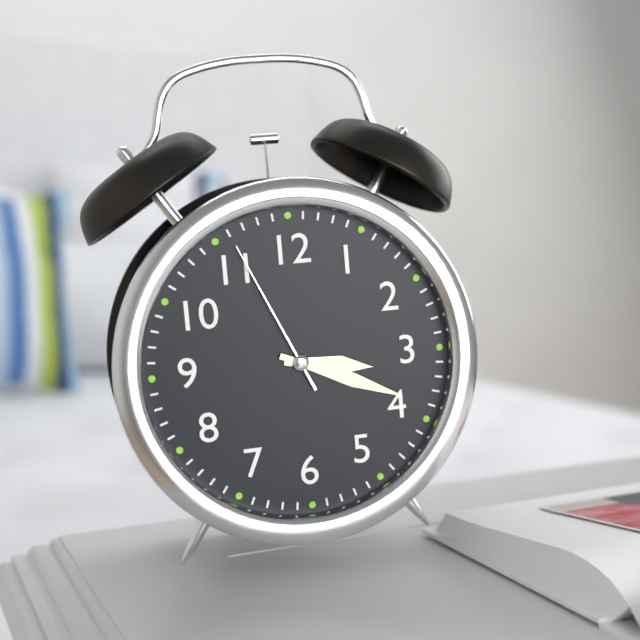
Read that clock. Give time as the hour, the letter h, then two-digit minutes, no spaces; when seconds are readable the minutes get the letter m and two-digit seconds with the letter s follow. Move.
3h19m56s
